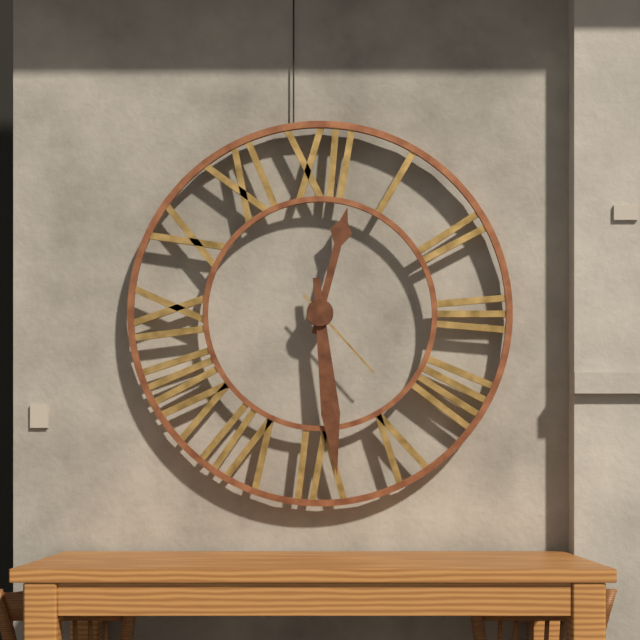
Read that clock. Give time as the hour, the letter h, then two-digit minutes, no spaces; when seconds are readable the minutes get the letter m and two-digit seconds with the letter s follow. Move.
12h29m23s
